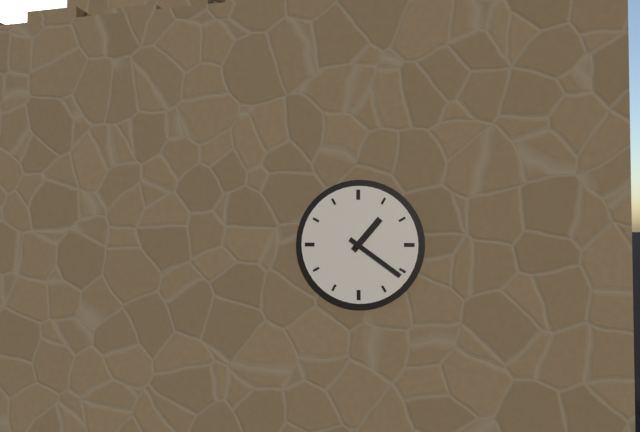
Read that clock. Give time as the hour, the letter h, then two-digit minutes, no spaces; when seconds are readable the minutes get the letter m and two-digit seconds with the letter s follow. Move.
1h21
